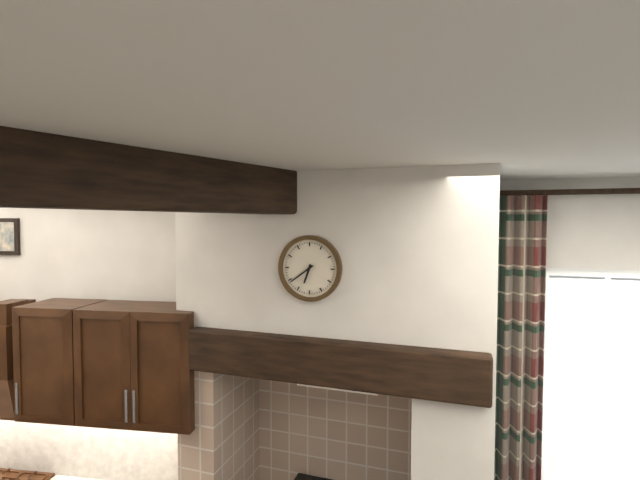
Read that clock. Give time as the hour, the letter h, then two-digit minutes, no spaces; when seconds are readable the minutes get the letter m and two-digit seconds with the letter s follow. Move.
6h39
